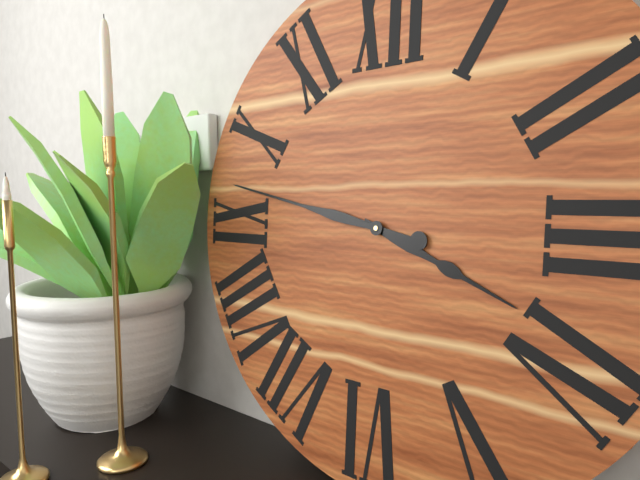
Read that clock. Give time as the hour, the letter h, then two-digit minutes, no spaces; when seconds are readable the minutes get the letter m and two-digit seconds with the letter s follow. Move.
3h47
